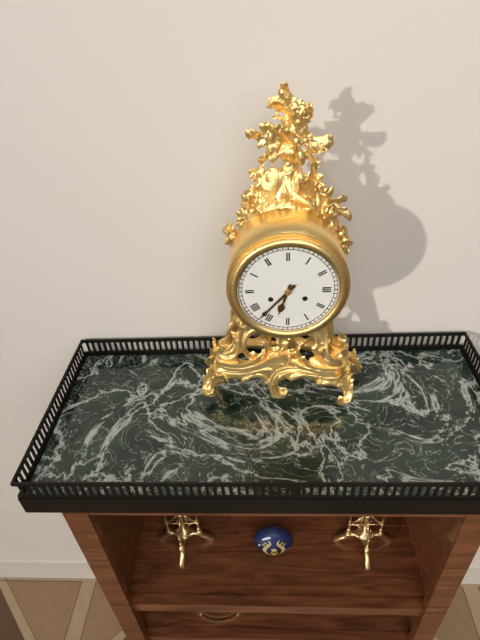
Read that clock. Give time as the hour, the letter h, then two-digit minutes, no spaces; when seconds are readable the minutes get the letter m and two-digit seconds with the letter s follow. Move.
6h37
